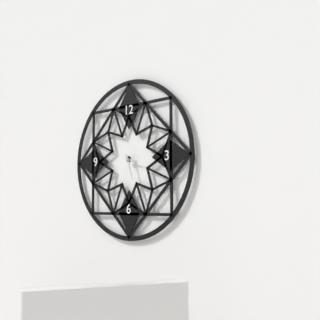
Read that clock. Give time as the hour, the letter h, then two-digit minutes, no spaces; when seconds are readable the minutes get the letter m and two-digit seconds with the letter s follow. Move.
3h27
